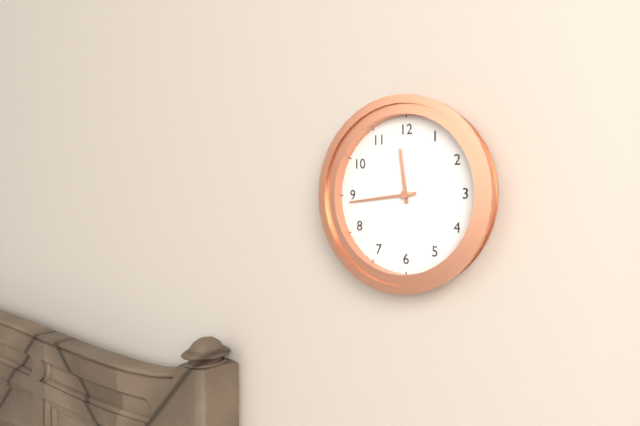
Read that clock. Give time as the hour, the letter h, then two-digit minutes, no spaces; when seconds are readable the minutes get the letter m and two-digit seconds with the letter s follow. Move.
11h44
